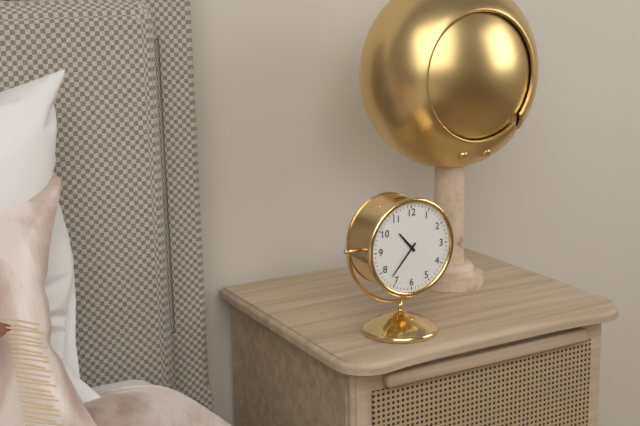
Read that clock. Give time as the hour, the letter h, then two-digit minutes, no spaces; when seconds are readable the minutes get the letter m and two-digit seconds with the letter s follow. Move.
10h37
